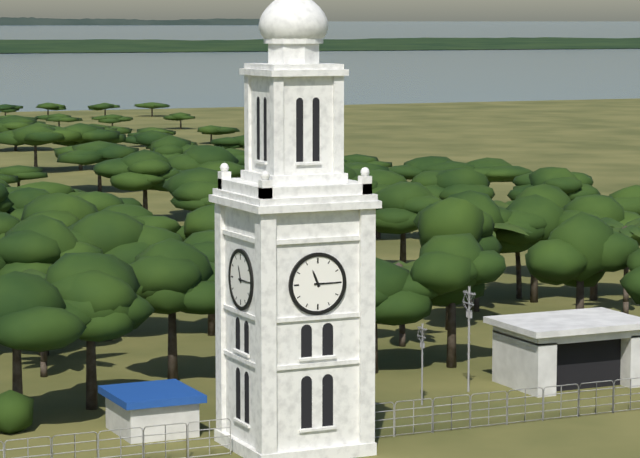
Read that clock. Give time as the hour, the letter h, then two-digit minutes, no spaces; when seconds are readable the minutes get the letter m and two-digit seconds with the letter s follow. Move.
11h15
